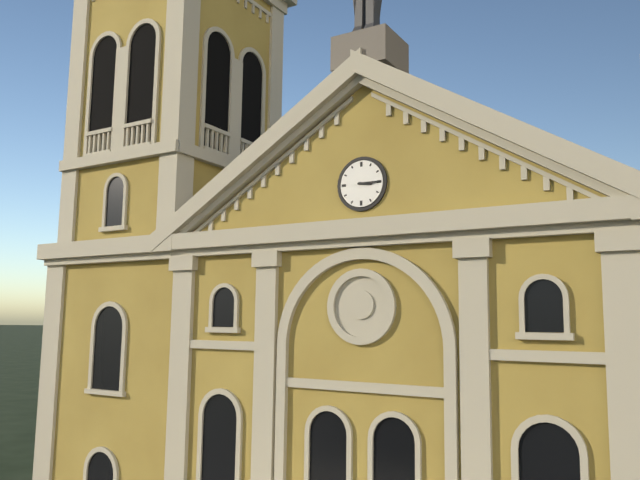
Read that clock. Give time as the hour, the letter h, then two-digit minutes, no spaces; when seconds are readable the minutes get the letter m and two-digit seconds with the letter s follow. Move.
3h15
